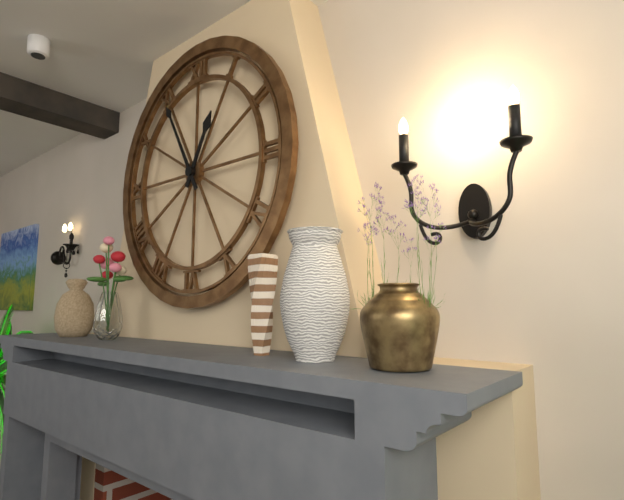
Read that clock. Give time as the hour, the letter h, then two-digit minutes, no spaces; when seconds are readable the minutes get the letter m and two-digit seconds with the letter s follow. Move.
12h55
